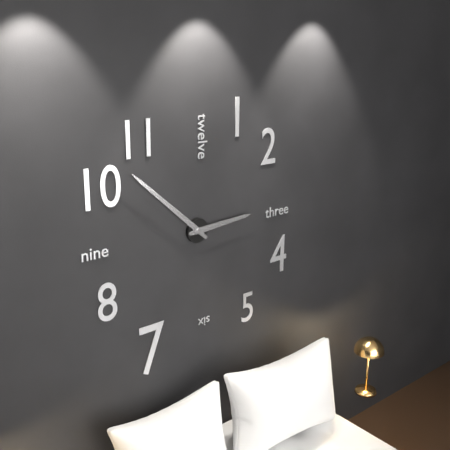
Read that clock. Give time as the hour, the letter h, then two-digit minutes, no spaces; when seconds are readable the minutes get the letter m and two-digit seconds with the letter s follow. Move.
2h52
